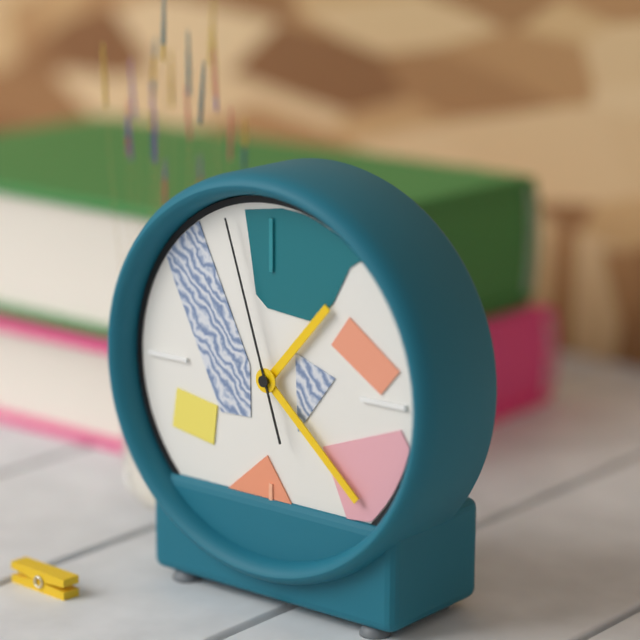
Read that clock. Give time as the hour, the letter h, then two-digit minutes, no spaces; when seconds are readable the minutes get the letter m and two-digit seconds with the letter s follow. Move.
1h22m57s
